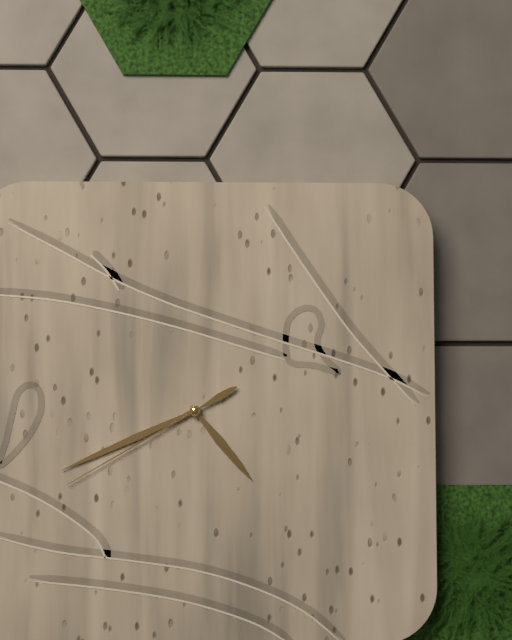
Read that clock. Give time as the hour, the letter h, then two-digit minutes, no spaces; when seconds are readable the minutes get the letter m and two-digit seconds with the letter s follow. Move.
4h41m40s
